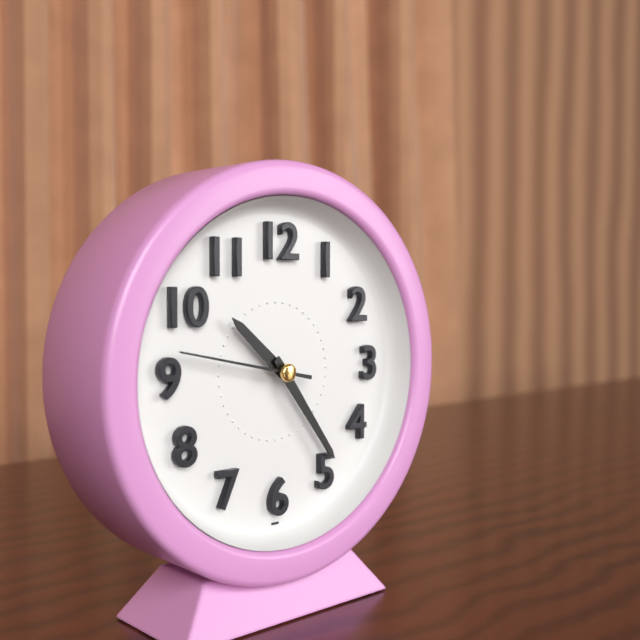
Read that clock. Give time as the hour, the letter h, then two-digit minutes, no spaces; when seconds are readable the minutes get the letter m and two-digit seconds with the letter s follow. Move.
10h24m47s
